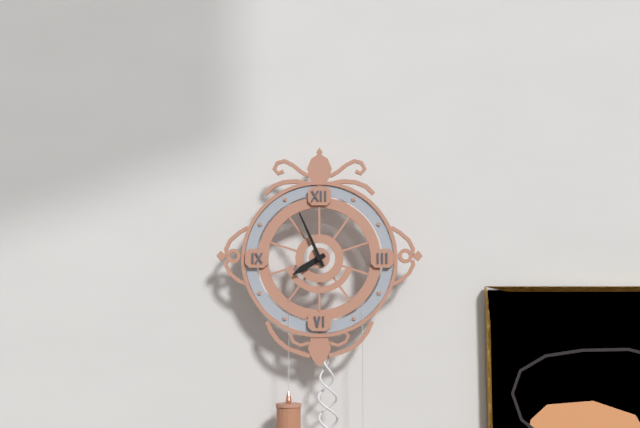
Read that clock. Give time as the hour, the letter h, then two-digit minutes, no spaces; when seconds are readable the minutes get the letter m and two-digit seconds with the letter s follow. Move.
7h56
